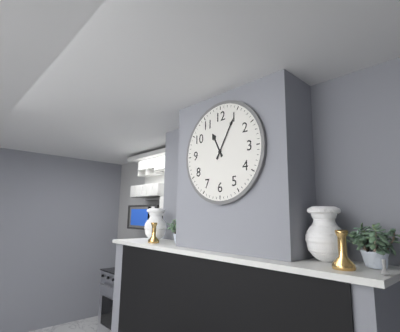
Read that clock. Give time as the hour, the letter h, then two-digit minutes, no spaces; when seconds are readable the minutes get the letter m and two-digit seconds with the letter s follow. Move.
11h05
